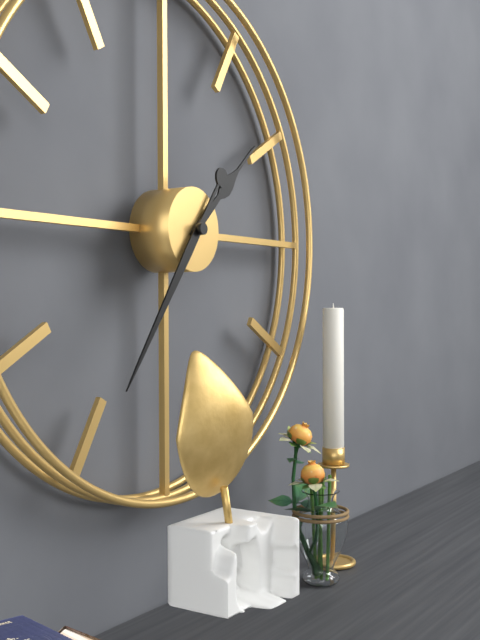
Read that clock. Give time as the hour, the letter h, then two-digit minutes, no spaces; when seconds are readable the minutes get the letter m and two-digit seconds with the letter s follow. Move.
1h36
